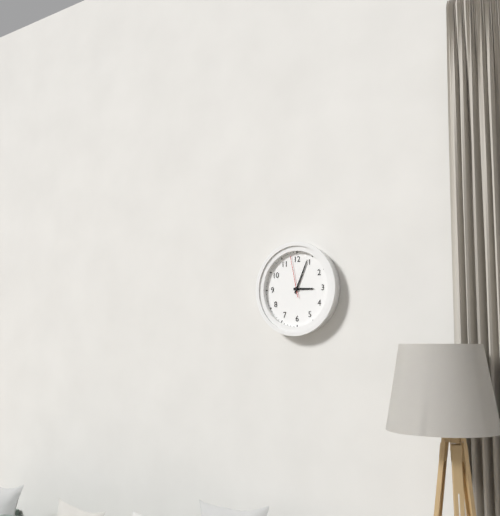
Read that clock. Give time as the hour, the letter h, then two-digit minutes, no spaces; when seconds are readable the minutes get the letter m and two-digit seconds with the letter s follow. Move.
3h04
